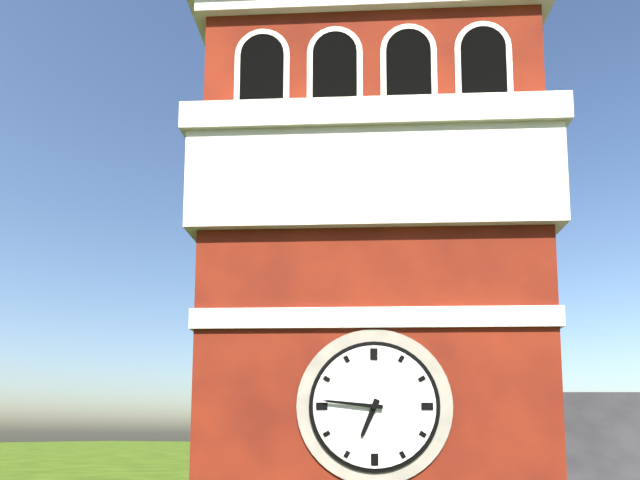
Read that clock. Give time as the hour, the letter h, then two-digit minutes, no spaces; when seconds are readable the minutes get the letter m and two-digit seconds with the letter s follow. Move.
6h46
